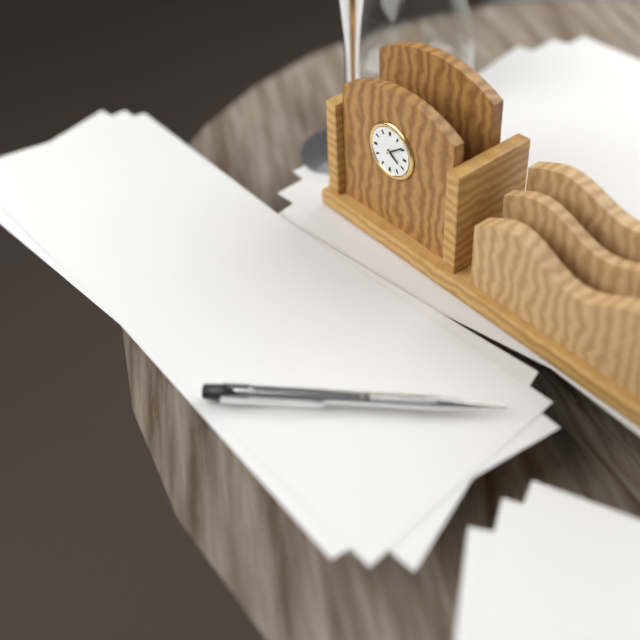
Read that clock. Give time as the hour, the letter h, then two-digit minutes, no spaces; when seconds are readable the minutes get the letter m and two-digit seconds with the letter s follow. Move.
4h09
